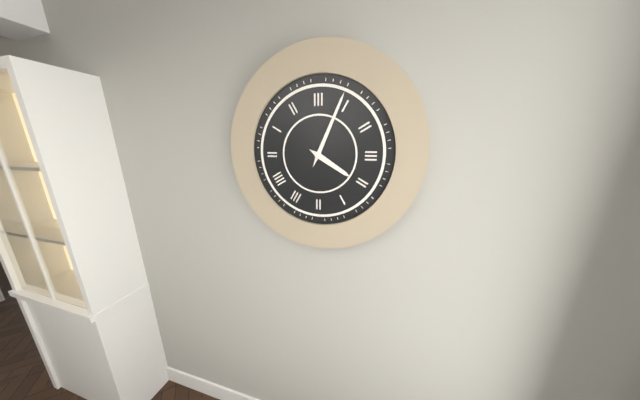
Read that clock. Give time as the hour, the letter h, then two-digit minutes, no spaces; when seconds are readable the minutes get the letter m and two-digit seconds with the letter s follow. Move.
4h04
